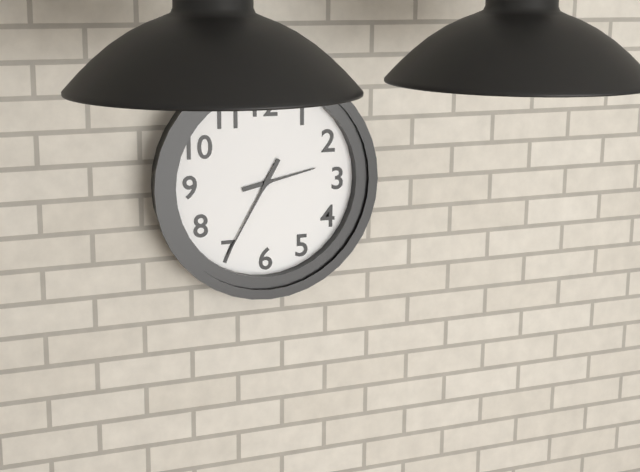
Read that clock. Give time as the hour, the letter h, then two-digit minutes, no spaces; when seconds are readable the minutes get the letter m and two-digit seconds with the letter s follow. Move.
2h35
